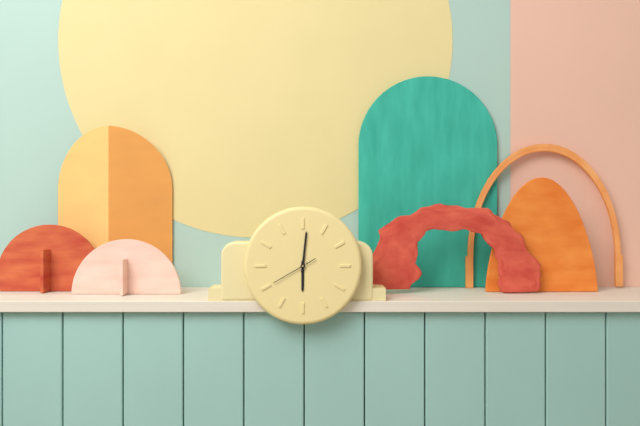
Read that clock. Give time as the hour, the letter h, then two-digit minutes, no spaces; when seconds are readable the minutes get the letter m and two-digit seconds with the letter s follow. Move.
6h01
